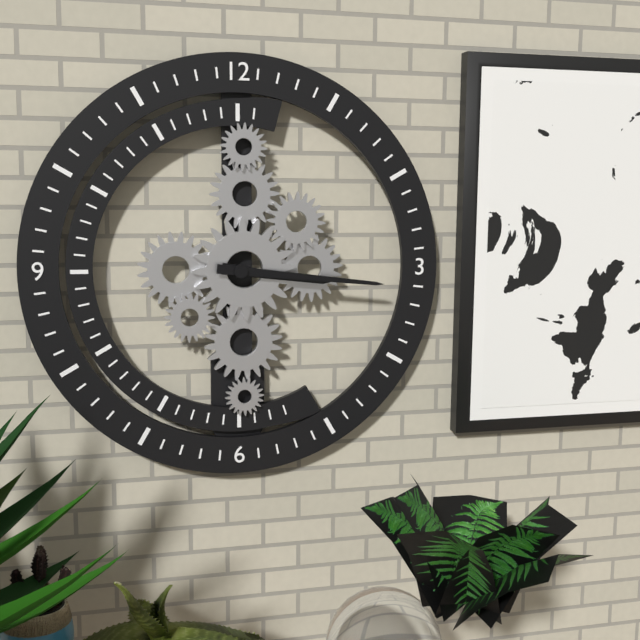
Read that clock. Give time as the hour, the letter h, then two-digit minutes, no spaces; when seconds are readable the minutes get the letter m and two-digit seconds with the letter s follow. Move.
3h16
